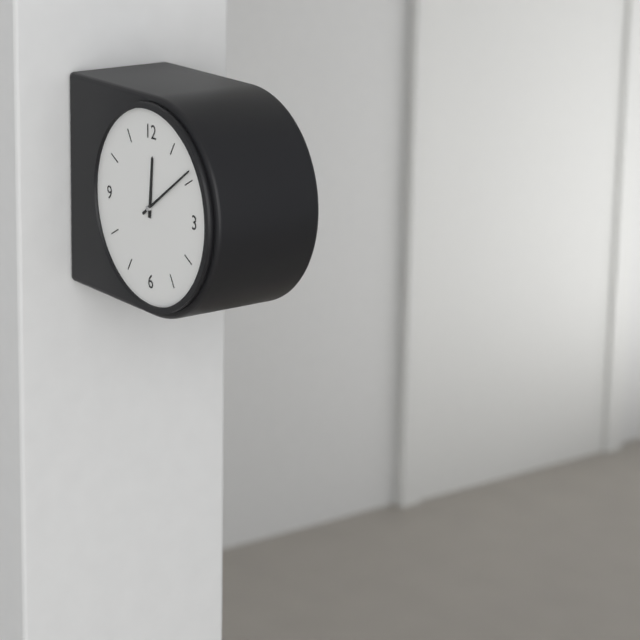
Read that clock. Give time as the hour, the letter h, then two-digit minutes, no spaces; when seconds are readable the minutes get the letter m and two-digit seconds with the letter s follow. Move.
12h09
